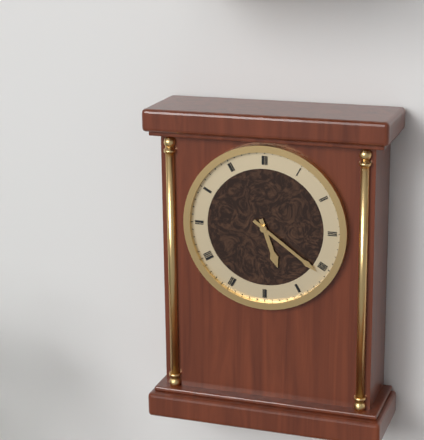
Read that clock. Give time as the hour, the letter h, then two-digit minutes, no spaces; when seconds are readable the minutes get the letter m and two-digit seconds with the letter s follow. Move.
5h21
